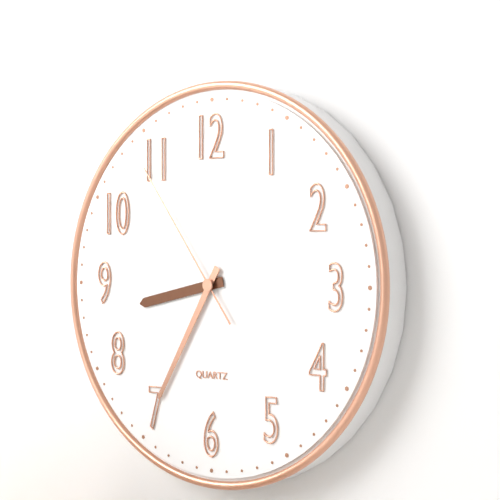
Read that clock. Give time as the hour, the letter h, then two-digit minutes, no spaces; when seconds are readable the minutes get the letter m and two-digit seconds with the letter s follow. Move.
8h35m54s
